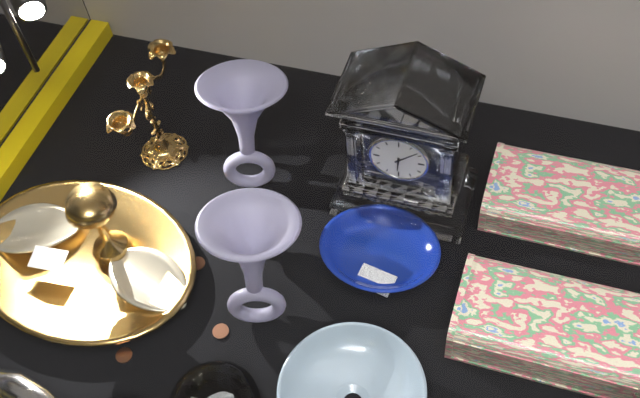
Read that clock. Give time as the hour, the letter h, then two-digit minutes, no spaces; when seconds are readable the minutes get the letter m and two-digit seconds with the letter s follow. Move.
6h08
